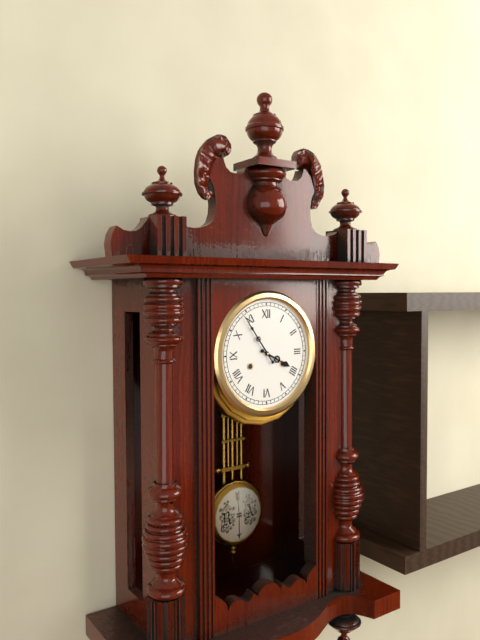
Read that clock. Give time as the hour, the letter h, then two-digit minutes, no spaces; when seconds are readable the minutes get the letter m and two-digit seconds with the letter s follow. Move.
3h54
